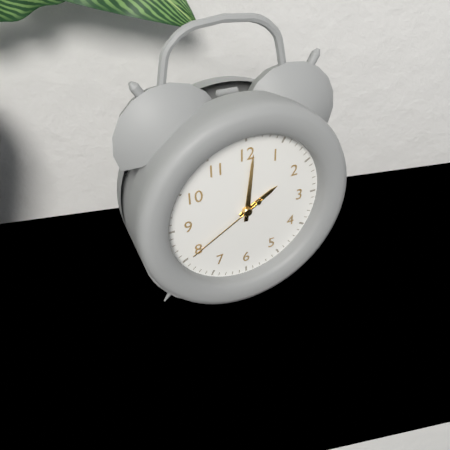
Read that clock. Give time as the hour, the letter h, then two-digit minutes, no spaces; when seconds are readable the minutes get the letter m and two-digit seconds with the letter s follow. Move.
2h01m40s
